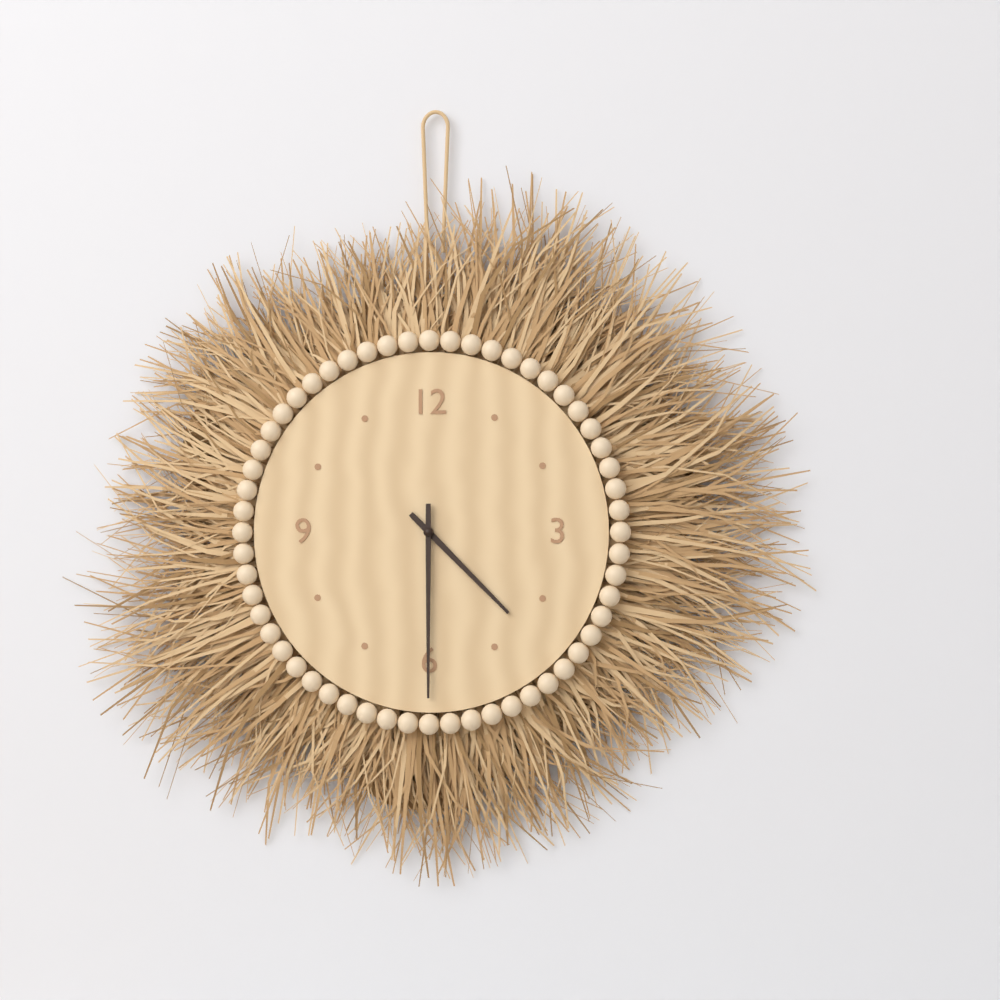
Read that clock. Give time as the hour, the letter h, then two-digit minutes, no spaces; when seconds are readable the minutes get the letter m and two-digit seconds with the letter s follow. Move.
4h30
